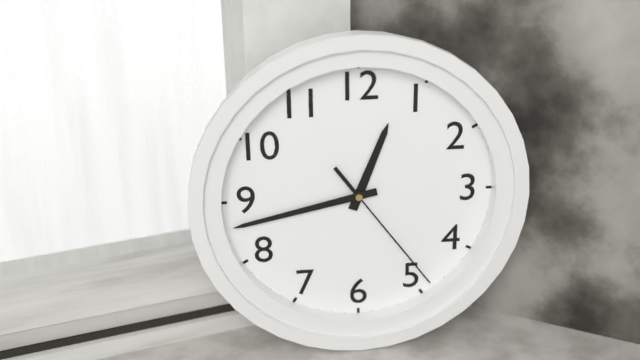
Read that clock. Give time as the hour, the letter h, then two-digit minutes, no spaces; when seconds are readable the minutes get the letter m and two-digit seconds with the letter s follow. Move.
12h43m24s
